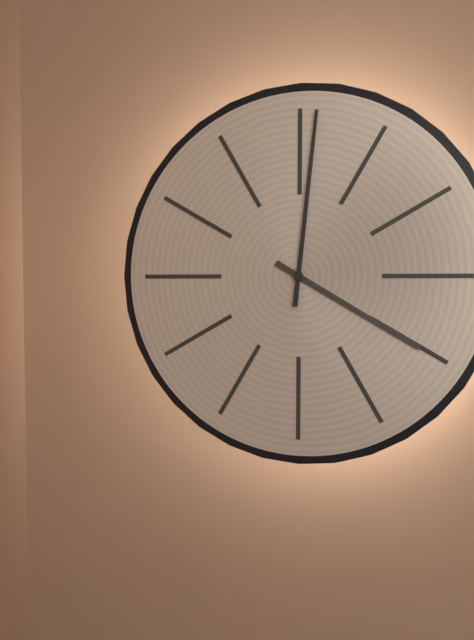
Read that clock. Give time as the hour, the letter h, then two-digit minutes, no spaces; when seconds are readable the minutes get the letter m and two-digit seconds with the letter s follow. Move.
4h01
